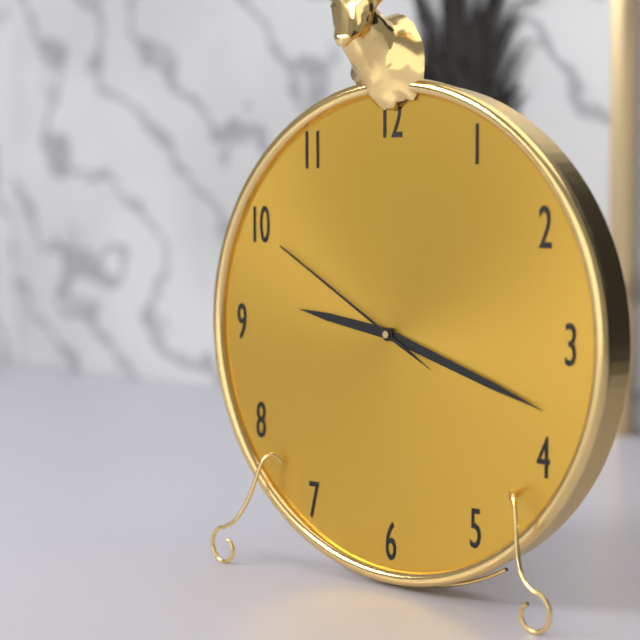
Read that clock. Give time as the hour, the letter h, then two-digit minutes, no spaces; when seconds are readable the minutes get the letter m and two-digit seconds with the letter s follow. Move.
9h18m50s
